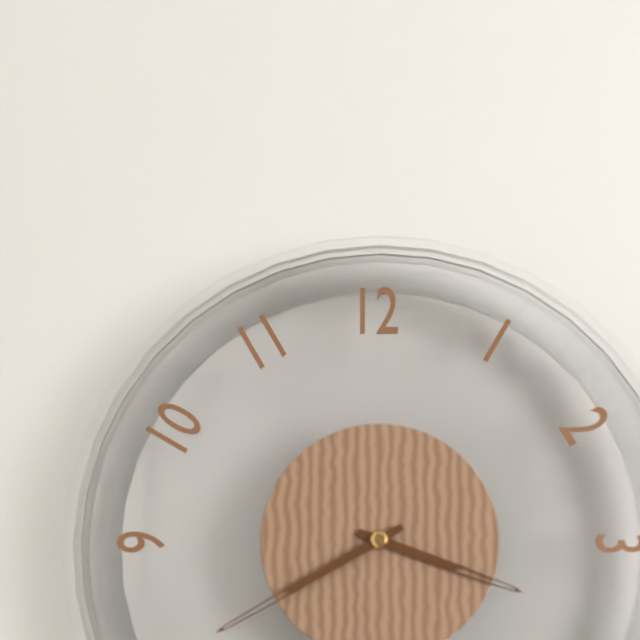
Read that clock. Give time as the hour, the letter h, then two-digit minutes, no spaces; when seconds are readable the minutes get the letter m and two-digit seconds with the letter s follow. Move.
3h40
